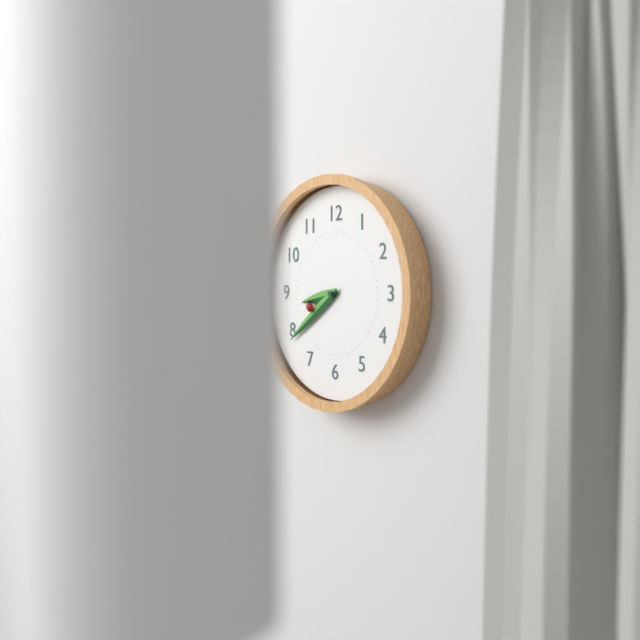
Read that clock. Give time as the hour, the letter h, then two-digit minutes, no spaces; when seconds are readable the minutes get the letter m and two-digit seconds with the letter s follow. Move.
8h39
